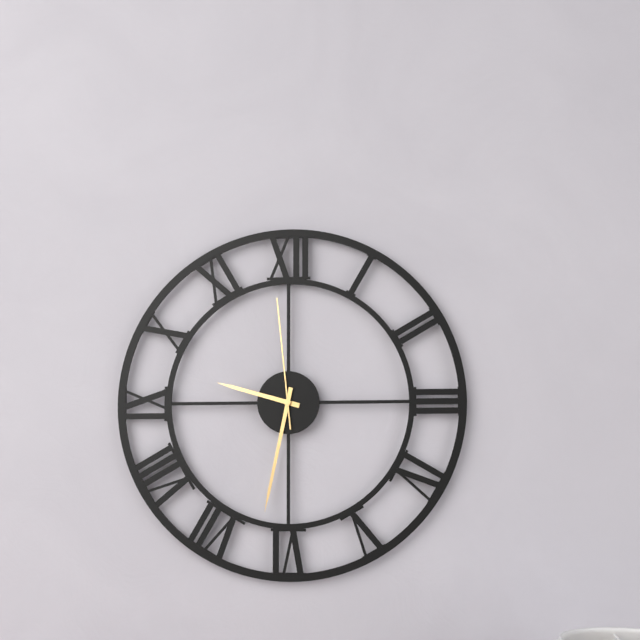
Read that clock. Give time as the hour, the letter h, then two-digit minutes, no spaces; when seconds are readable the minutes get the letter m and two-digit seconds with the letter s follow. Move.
9h32m59s
